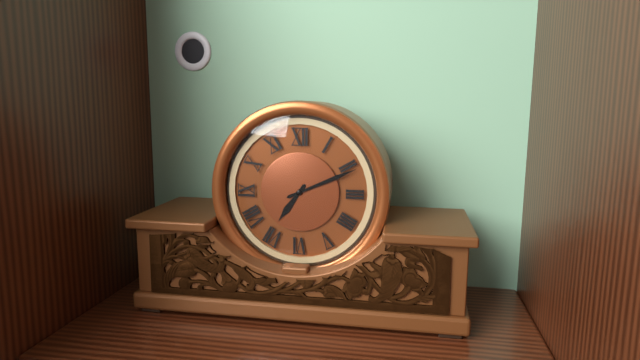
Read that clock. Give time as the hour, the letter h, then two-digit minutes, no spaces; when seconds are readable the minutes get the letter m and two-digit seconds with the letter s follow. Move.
7h11
